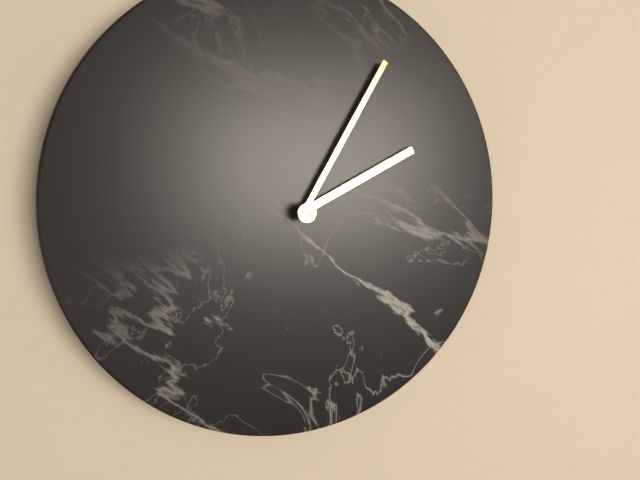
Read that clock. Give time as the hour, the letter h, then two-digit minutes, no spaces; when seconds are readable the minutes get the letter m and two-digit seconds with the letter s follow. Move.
2h05
